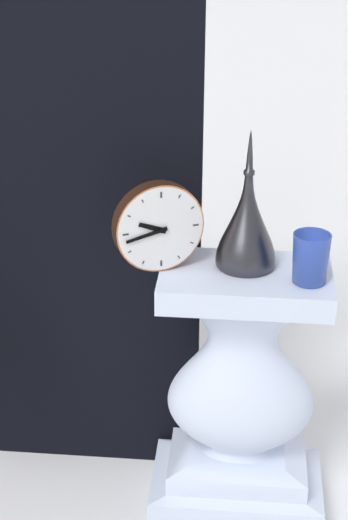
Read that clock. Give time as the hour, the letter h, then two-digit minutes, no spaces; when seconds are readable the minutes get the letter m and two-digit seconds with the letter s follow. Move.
9h43
